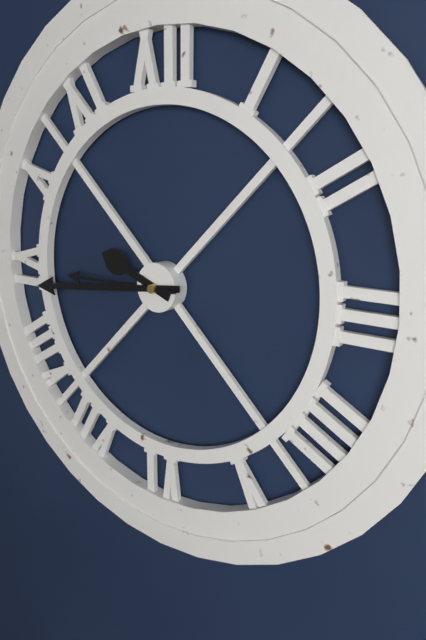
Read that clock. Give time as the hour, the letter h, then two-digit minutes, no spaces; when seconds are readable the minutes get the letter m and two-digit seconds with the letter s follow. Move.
9h44m45s
